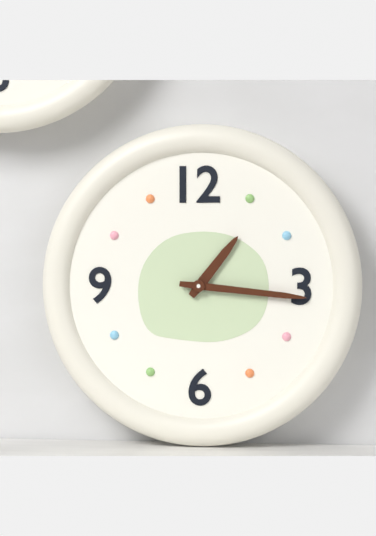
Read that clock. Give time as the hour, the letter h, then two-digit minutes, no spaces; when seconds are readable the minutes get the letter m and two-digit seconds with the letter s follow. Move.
1h16
